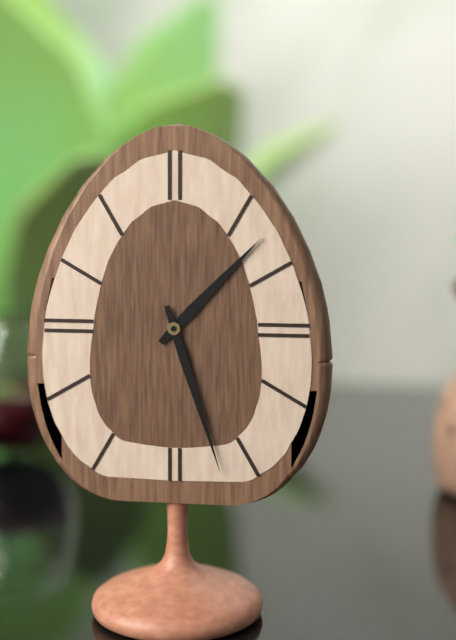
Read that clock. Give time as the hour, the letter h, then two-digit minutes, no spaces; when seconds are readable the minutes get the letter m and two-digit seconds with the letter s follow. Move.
1h27
